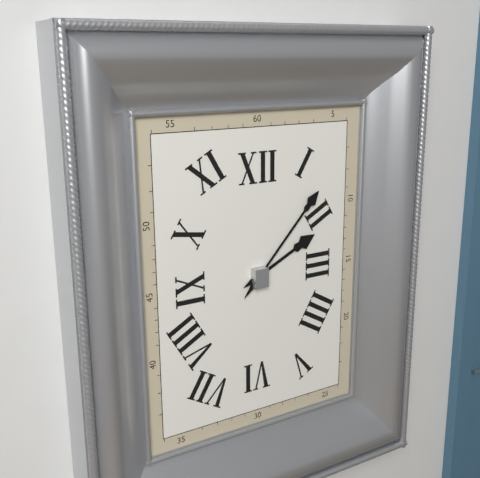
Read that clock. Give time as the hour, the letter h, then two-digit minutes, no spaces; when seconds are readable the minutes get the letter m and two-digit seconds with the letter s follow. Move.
2h07
